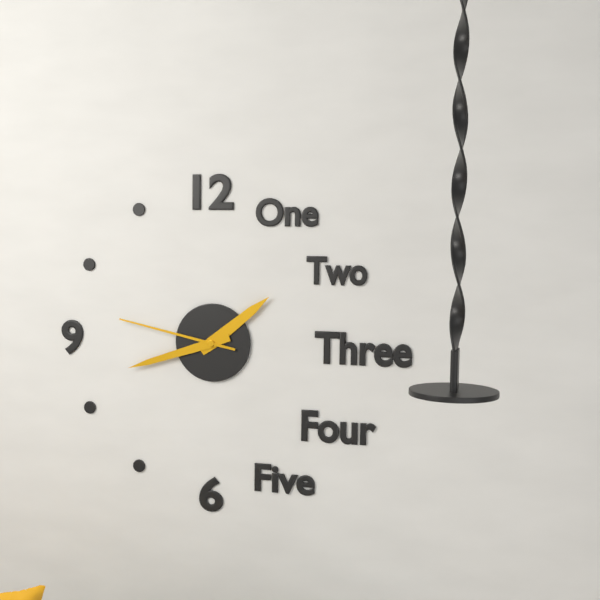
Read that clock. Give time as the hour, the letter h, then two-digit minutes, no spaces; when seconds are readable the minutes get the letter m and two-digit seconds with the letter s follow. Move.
1h42m47s
